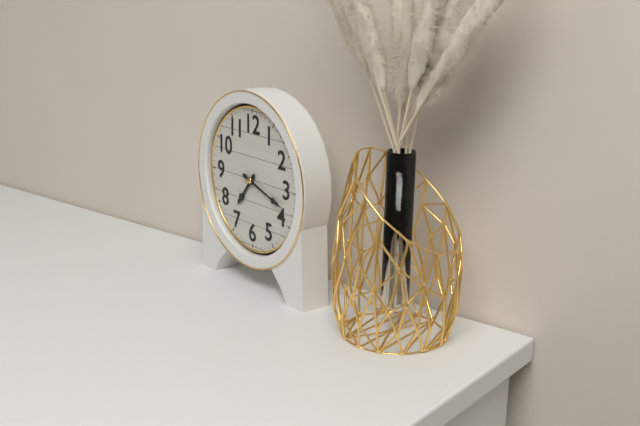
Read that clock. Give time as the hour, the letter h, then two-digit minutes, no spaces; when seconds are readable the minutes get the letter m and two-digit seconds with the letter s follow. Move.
7h18
